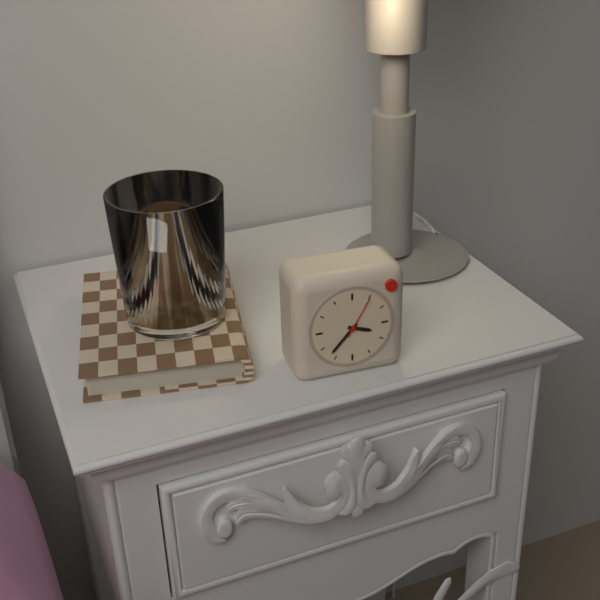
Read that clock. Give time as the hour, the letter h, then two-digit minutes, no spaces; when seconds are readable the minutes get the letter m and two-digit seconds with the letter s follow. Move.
3h37
